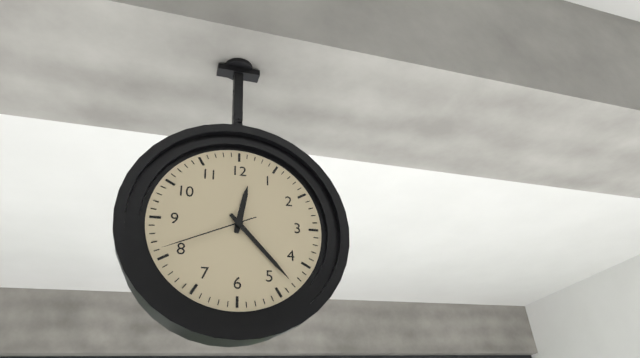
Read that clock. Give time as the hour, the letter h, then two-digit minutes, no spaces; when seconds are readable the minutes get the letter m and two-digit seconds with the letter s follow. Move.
12h23m41s
